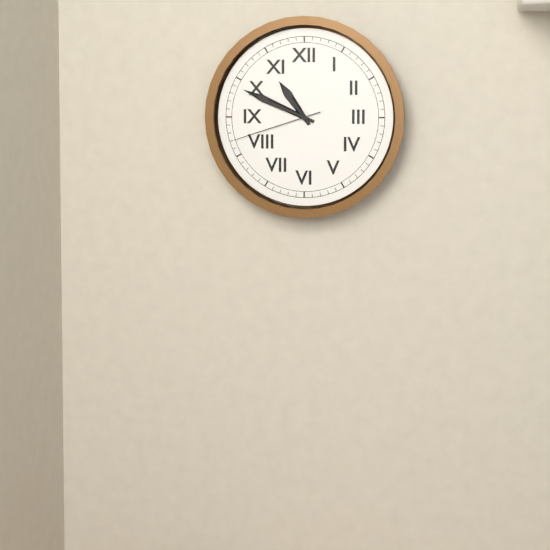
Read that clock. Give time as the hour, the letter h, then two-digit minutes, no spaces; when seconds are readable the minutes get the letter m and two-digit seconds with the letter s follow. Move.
10h49m42s
